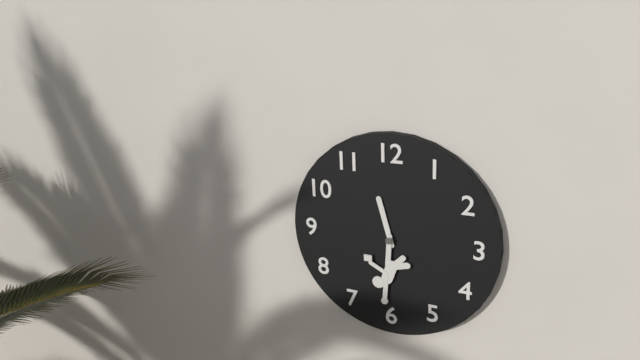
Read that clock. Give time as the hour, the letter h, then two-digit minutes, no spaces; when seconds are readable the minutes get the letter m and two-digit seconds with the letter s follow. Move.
11h30
